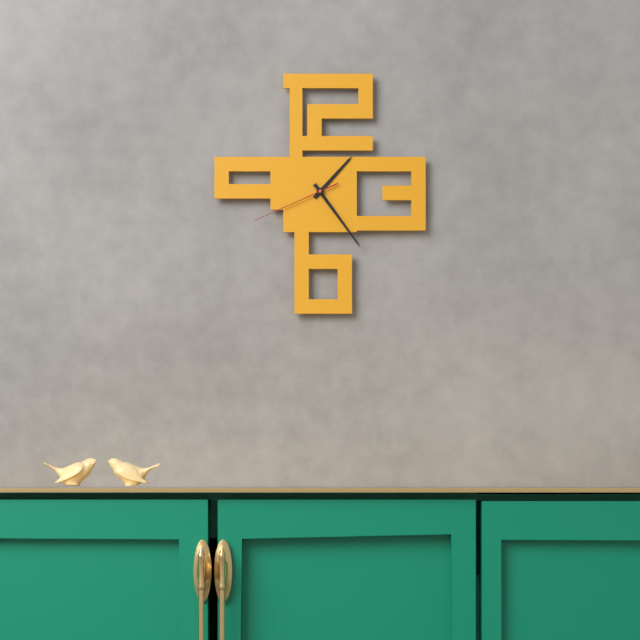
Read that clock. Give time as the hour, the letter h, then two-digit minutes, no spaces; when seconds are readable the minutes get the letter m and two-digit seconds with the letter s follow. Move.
1h24m41s
